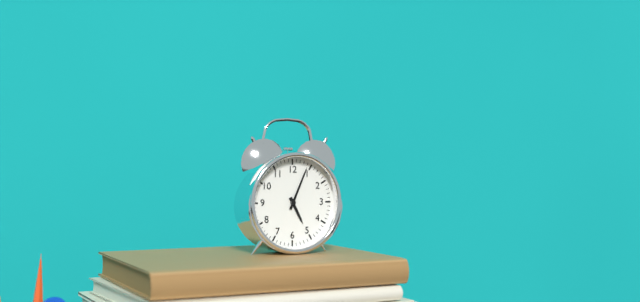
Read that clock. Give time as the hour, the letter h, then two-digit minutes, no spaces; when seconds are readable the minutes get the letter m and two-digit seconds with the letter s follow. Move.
5h04
